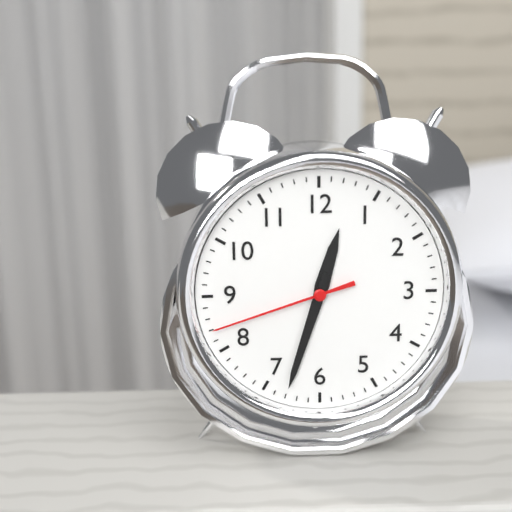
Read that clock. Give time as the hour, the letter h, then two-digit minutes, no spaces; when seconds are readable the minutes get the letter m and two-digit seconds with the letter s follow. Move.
12h33m42s
